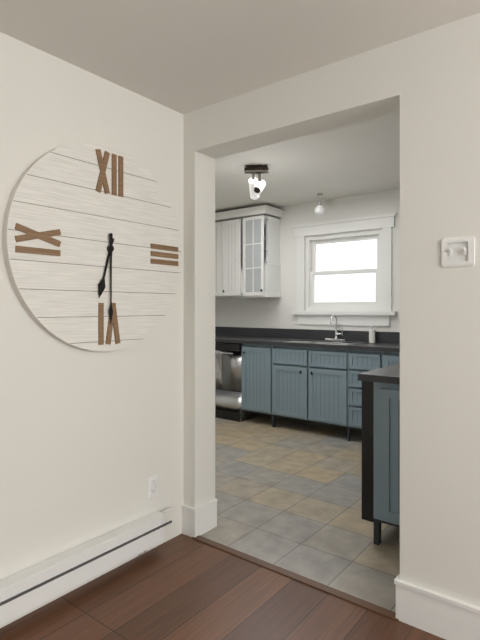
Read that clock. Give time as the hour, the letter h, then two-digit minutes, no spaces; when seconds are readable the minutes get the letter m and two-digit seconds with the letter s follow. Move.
6h30
